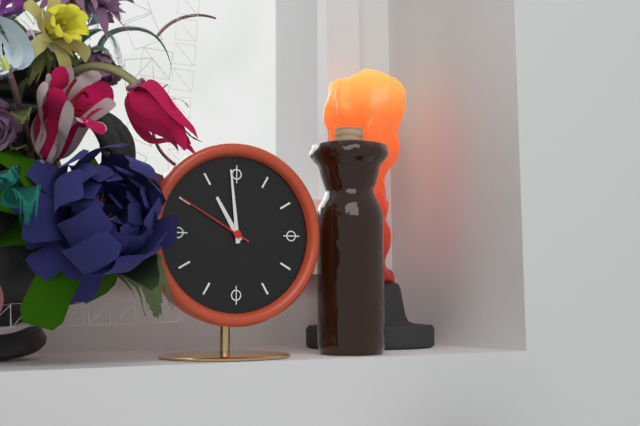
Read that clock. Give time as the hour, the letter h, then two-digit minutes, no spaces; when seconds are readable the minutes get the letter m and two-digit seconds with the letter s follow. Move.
10h59m50s
